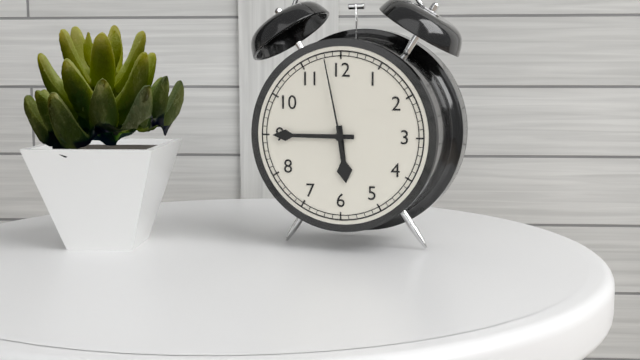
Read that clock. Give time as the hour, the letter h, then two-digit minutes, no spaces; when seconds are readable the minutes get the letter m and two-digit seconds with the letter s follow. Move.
5h45m58s
